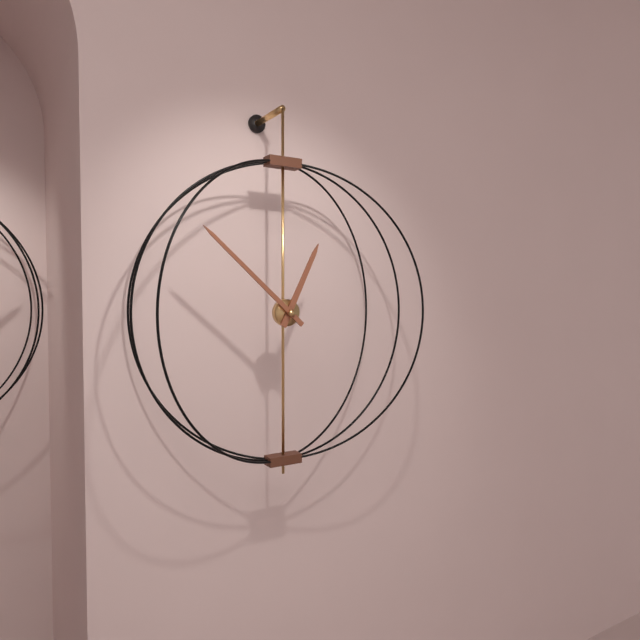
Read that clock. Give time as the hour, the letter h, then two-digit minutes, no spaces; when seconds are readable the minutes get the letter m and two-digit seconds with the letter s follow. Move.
12h52
